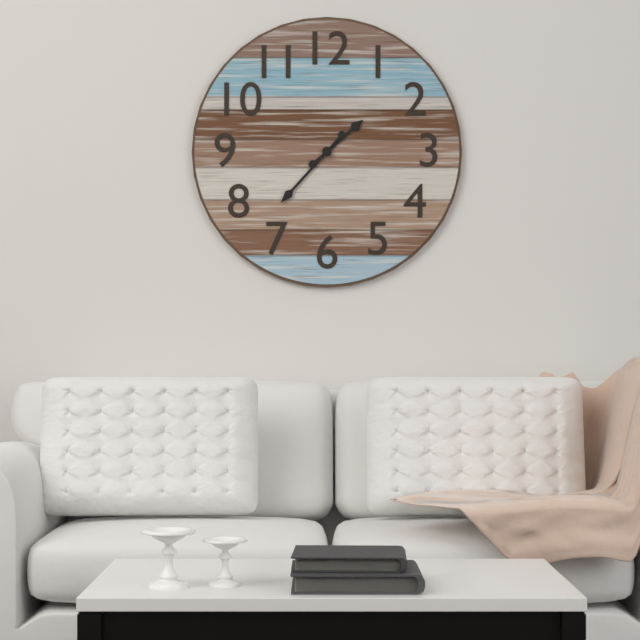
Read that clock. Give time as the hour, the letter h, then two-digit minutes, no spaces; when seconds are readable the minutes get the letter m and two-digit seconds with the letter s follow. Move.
1h37
